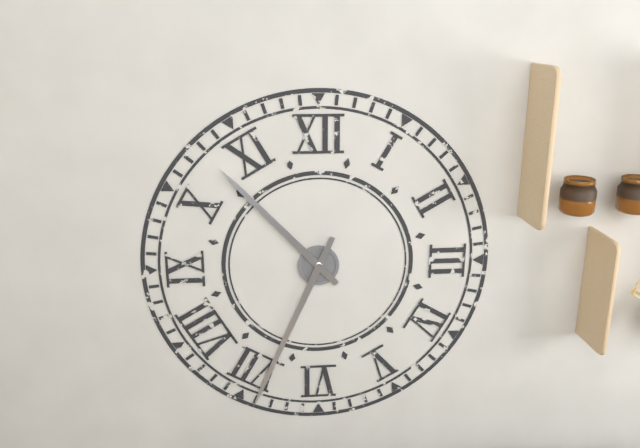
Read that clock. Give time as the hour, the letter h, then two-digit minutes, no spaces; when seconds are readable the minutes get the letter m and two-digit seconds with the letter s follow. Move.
10h34
